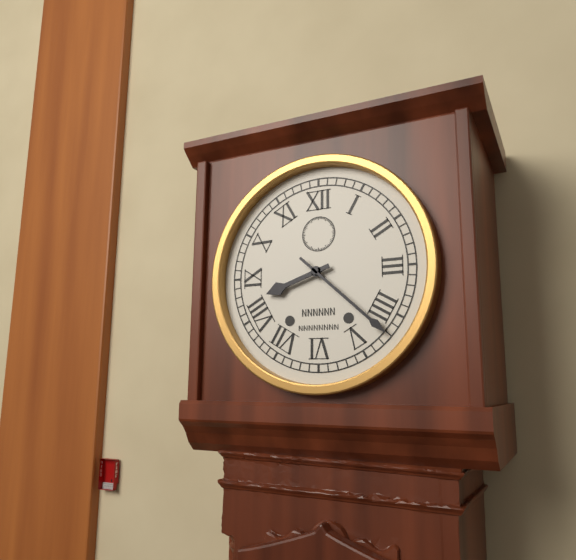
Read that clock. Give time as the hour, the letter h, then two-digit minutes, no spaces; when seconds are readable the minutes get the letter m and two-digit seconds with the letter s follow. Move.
8h22
